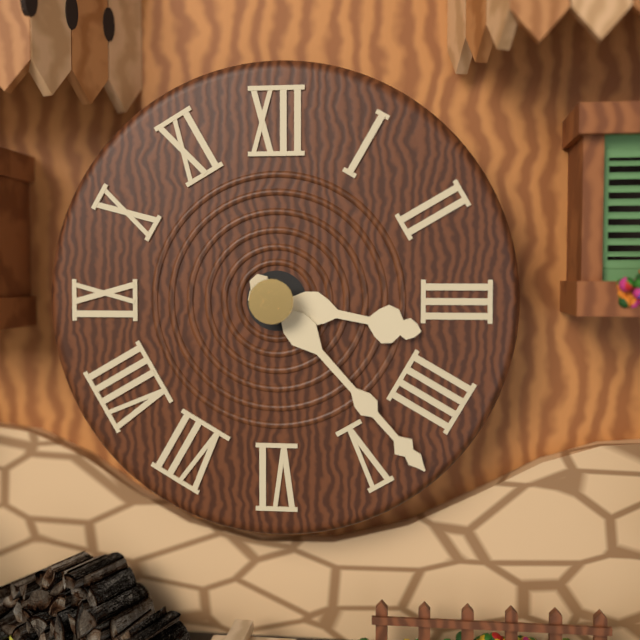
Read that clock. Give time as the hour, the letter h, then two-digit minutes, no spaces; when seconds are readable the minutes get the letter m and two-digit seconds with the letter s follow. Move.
3h23
